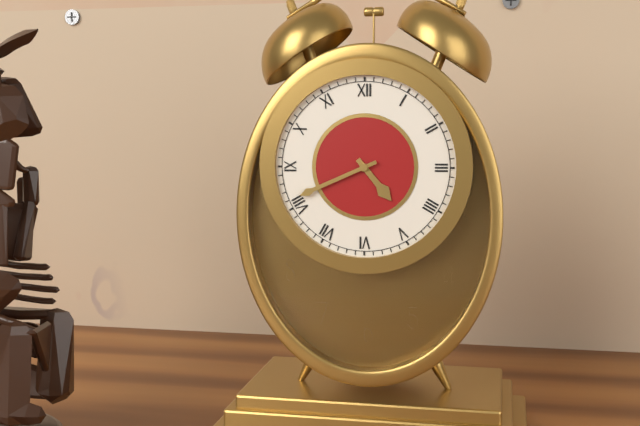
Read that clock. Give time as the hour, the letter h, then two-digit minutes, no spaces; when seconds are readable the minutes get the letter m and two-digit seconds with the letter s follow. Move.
4h41
